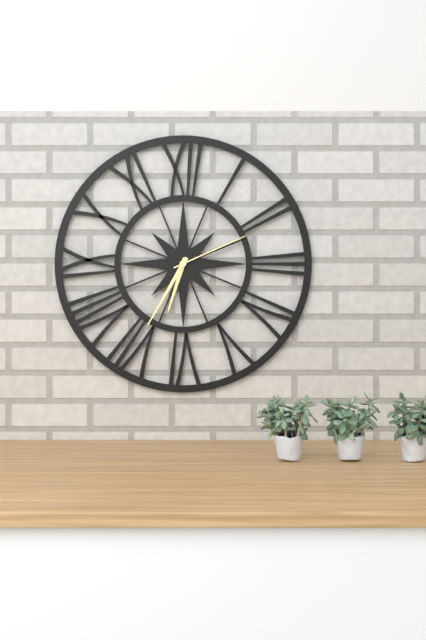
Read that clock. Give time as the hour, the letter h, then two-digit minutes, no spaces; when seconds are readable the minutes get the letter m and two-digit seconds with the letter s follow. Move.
6h35m11s
